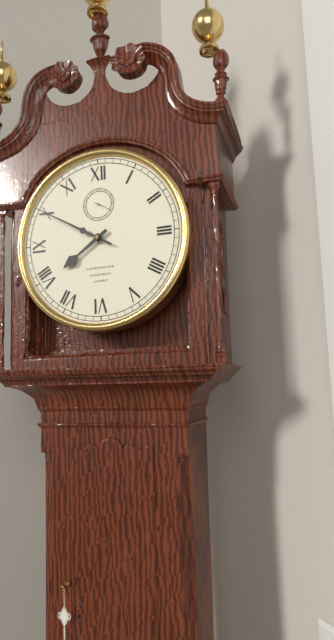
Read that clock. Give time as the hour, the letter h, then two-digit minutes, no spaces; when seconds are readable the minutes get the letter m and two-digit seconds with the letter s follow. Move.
7h50
